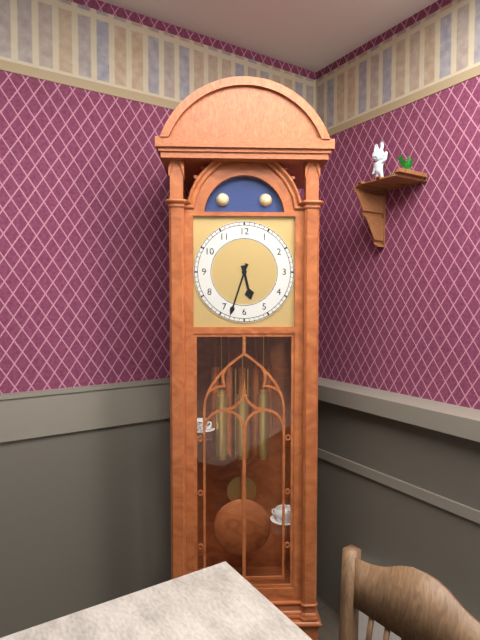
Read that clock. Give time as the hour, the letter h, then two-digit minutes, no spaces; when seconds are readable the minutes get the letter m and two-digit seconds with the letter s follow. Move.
5h33
